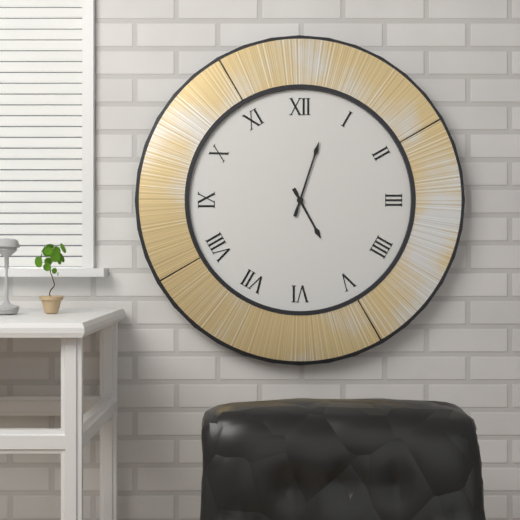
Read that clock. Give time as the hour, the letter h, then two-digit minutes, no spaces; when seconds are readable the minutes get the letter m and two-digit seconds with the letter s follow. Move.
5h03
